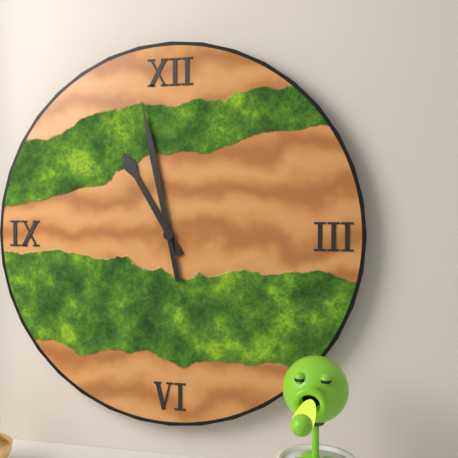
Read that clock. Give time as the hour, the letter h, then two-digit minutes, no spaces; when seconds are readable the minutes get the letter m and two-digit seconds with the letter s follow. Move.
10h58
